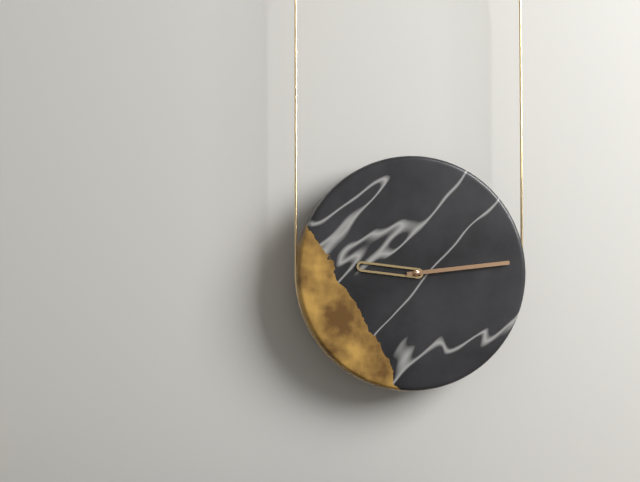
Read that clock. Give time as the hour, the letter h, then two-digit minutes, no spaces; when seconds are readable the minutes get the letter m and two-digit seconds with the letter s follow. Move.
9h14
